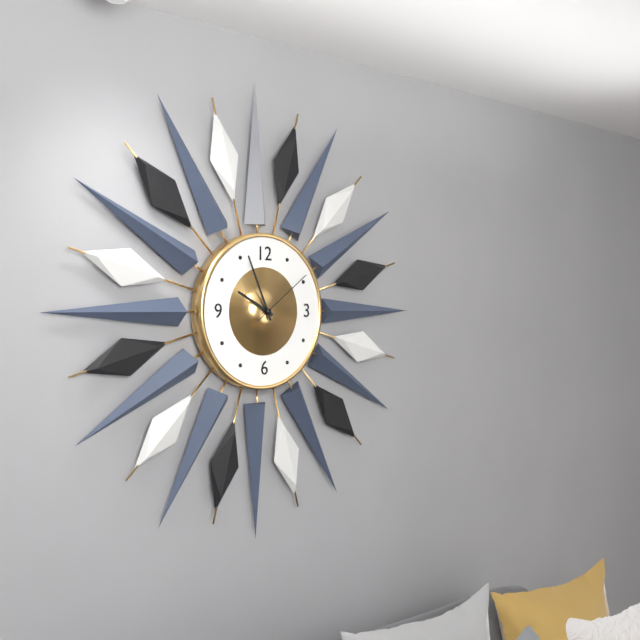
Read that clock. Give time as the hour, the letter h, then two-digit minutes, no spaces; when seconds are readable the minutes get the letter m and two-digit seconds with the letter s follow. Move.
9h56m09s
